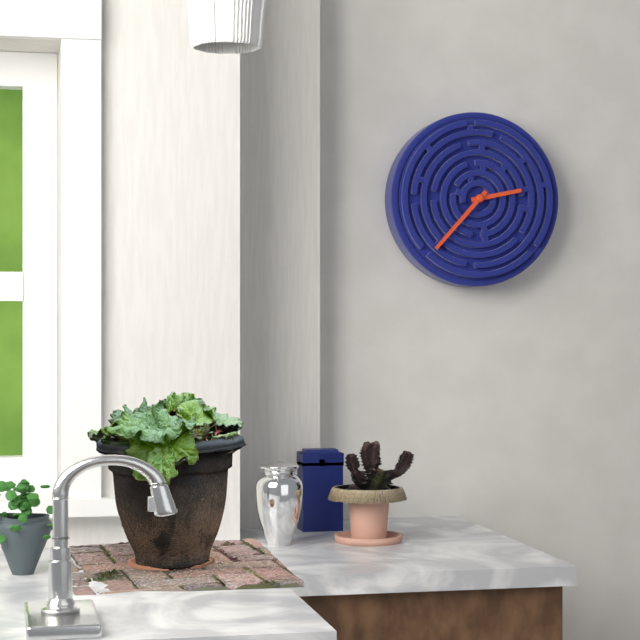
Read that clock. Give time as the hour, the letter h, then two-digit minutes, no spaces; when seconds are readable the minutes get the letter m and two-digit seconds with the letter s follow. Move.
2h37
